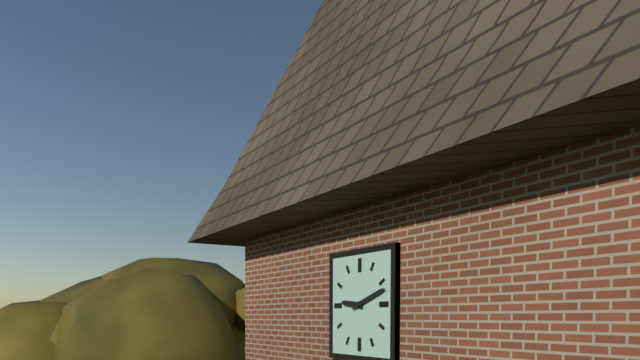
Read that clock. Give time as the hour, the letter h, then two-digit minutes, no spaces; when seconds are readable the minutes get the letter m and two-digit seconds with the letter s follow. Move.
9h12
